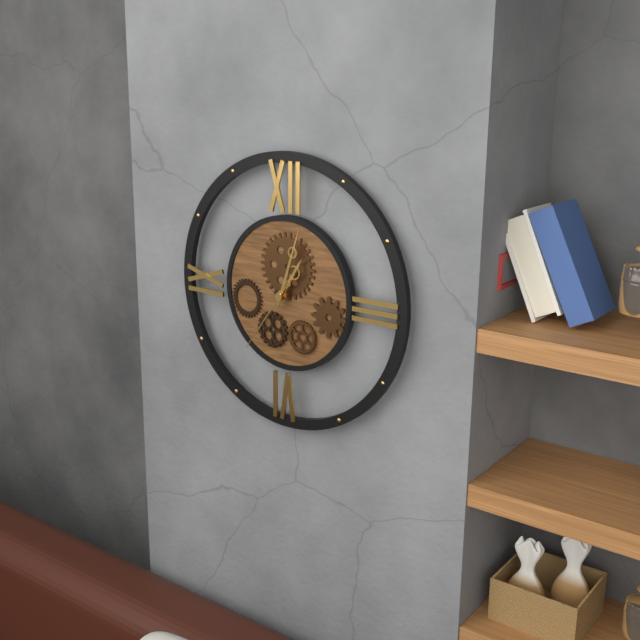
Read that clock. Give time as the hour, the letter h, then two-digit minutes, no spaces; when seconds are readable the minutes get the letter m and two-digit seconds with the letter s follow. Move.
1h03m36s
